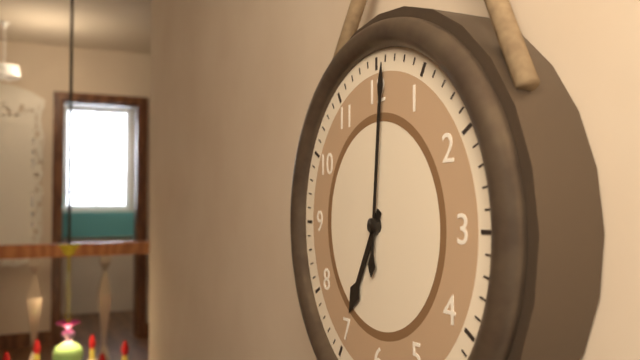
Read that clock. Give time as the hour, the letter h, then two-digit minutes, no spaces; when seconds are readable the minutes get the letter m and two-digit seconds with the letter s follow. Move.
7h01
